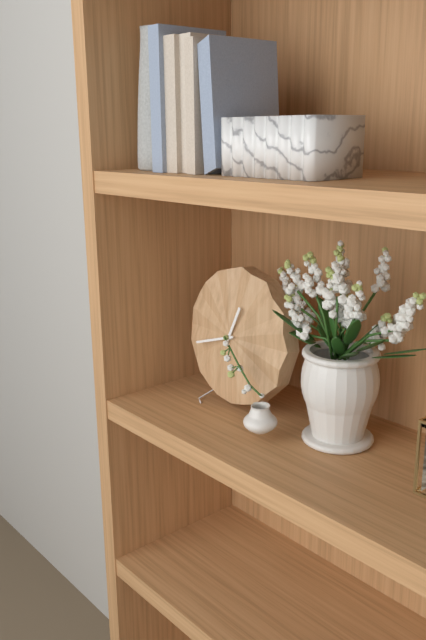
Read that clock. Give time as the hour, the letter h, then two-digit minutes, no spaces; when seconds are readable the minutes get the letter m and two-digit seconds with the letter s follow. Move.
12h42
